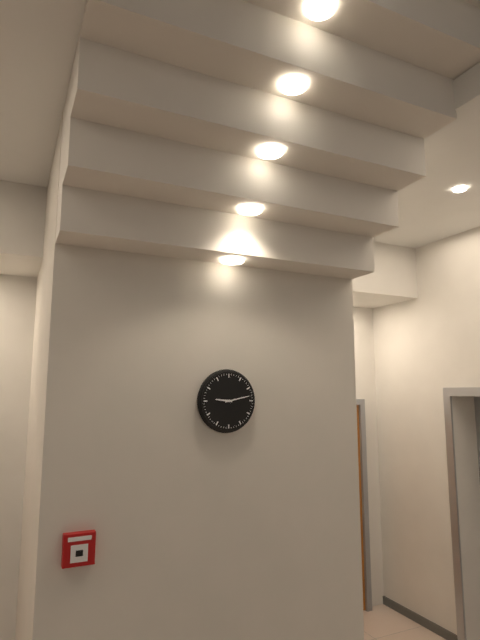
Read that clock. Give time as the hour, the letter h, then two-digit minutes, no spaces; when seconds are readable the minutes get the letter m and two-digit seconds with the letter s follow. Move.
9h13
